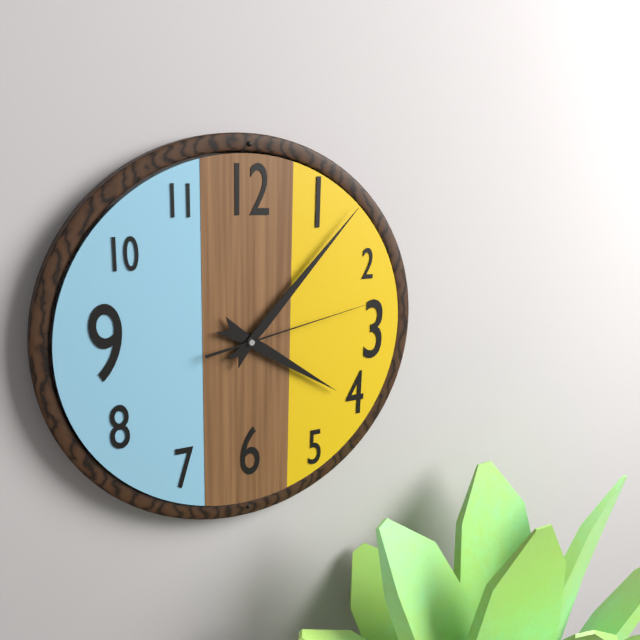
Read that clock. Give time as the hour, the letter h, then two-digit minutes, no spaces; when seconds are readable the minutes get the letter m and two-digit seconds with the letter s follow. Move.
4h07m13s
